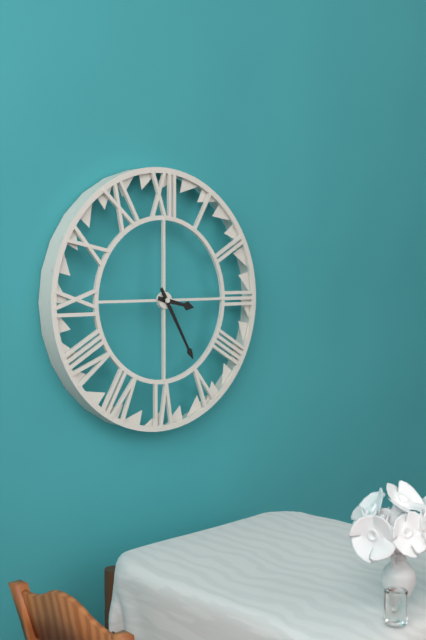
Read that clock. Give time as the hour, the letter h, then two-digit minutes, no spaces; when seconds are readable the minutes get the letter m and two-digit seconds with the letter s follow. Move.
3h25
